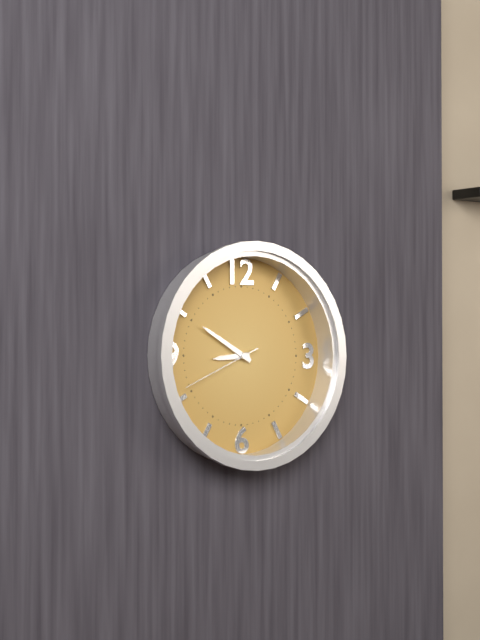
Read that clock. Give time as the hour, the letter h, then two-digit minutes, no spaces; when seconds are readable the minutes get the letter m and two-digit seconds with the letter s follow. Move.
8h50m41s
